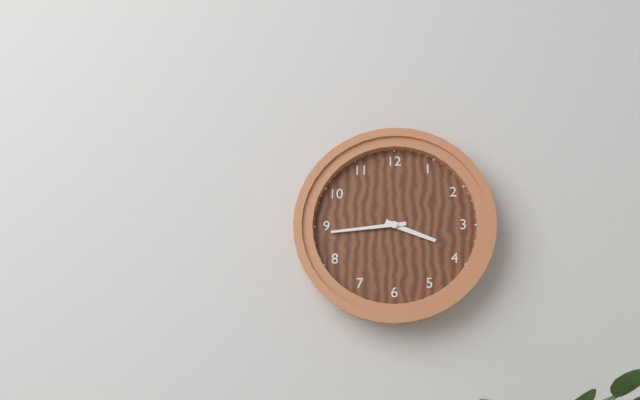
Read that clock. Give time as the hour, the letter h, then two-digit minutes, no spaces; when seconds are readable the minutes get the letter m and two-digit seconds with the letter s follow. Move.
3h44
